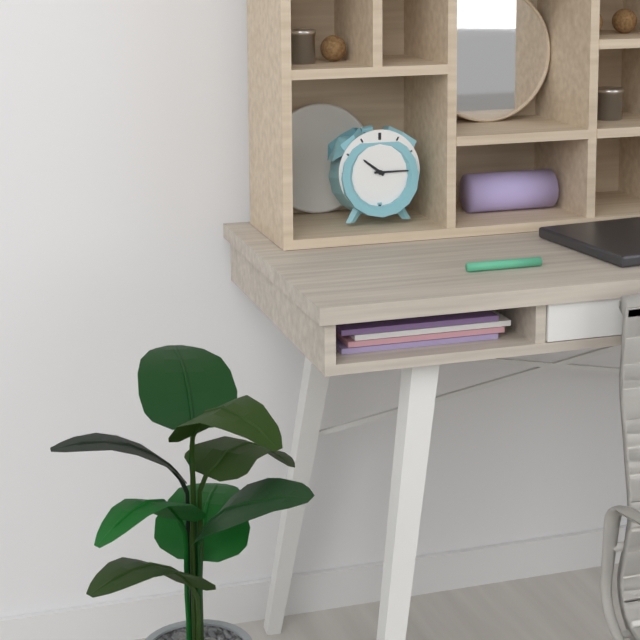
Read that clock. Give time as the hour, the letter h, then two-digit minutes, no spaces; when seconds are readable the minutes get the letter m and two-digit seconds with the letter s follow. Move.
10h15
